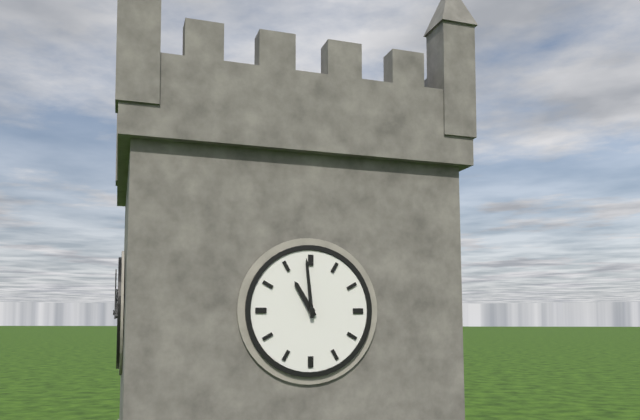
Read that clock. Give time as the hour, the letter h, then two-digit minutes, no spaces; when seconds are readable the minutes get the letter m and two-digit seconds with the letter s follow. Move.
10h59
